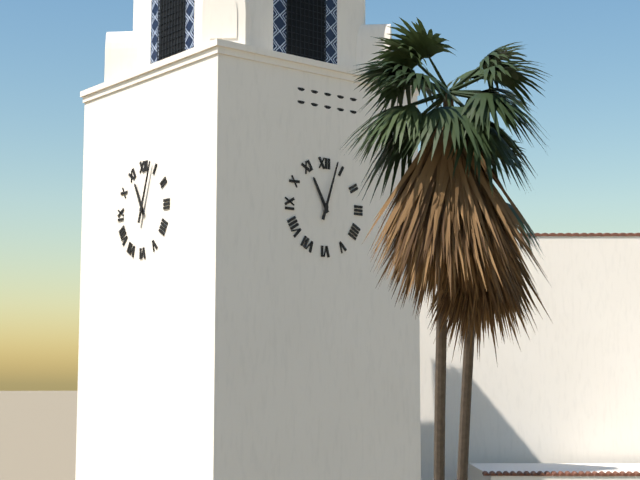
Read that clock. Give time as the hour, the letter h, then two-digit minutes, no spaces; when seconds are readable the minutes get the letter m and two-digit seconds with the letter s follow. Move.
11h03
